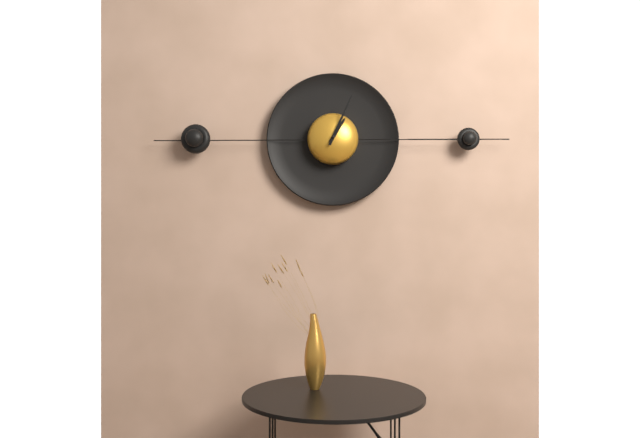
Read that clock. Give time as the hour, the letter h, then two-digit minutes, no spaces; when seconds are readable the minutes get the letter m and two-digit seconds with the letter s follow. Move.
1h04
